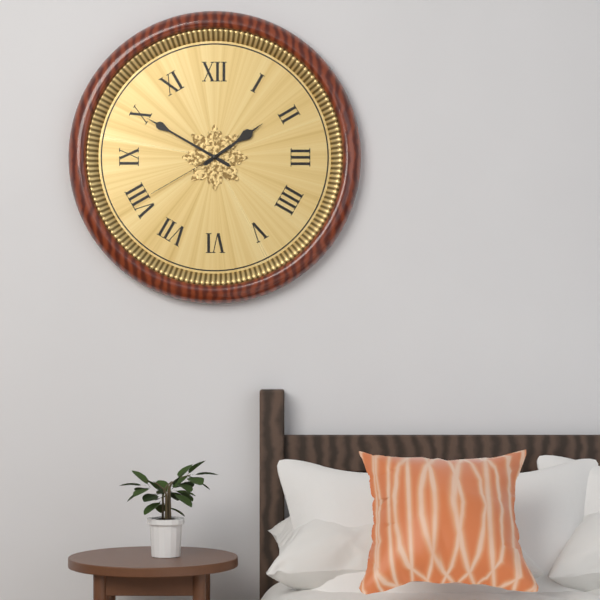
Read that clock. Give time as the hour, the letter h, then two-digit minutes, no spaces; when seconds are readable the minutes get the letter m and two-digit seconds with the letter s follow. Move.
1h50m40s
